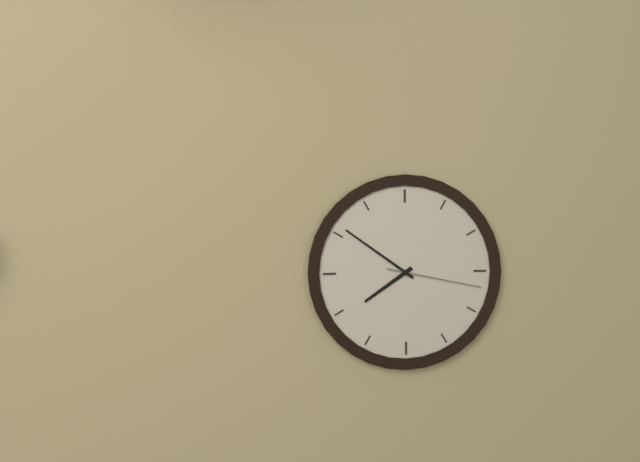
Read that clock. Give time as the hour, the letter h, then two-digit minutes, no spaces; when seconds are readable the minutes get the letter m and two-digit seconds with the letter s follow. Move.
7h51m17s
